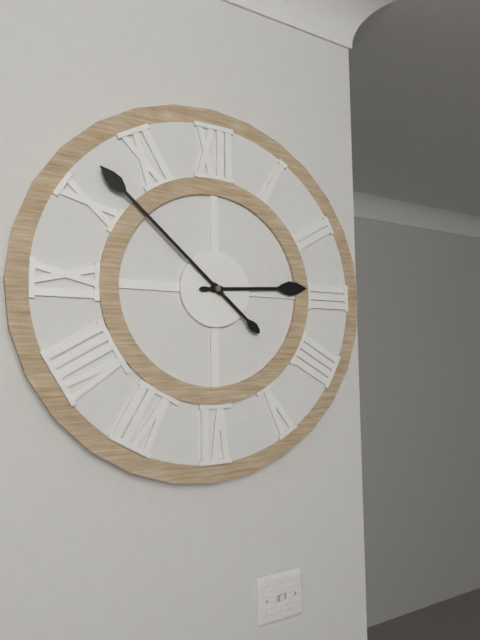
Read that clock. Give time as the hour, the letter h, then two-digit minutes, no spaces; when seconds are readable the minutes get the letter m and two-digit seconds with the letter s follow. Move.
2h52
